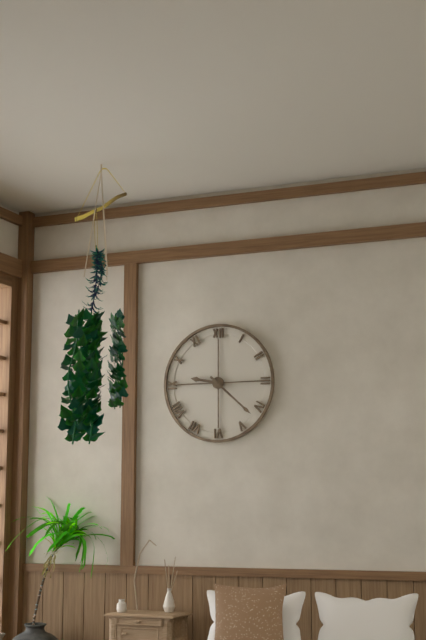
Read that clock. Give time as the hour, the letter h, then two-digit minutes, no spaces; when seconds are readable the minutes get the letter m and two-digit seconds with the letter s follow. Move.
9h22
